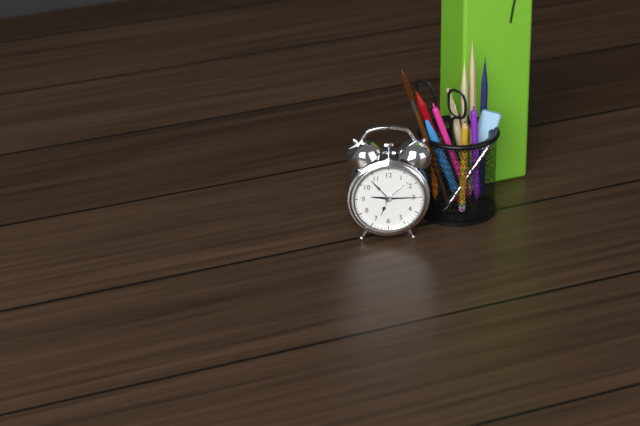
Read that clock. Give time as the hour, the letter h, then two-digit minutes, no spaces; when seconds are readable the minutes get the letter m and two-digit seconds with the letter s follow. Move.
9h15
